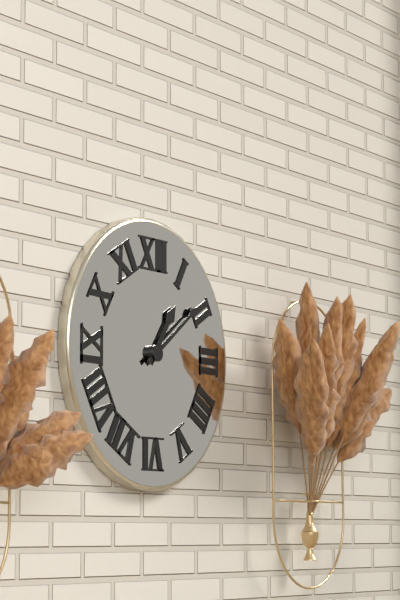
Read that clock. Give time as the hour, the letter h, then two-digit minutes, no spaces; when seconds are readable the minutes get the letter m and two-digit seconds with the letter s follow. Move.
1h09
